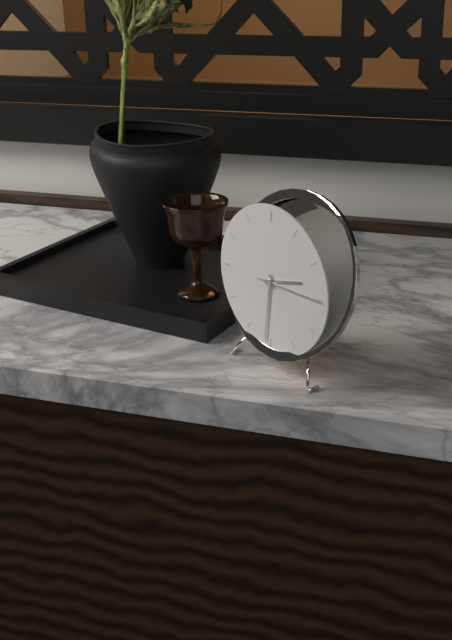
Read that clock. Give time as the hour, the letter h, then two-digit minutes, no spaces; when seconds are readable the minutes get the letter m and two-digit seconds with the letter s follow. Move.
2h31m15s
